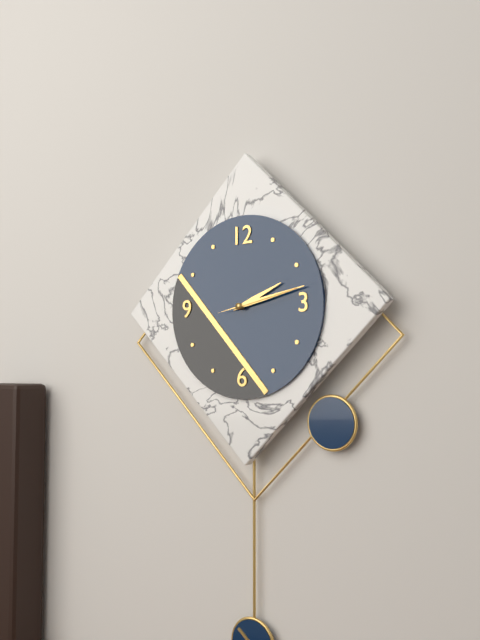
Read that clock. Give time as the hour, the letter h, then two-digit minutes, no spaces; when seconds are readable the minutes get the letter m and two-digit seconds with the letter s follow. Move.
2h13m13s
